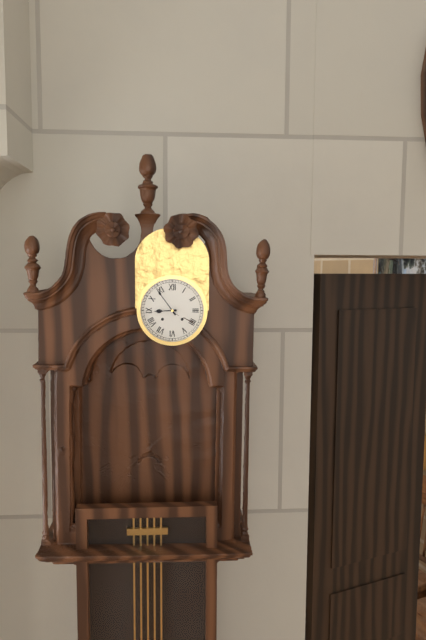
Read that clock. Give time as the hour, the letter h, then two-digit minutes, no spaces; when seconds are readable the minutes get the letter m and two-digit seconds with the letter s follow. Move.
8h54
